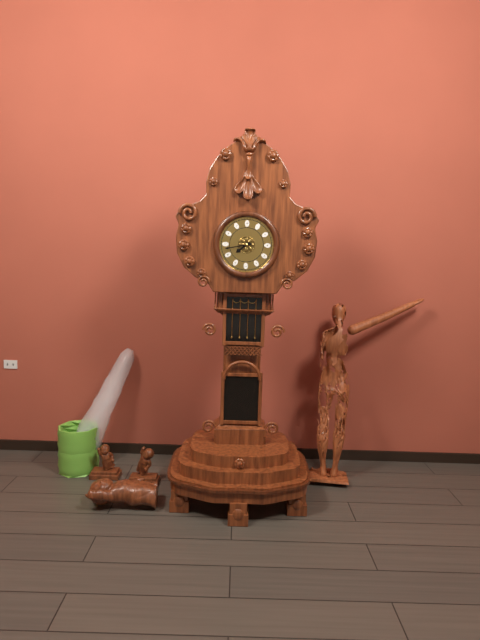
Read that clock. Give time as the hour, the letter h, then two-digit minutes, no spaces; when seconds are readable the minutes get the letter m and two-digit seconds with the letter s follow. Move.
7h43
